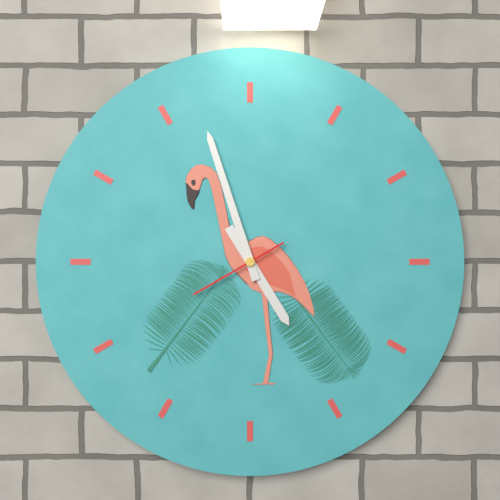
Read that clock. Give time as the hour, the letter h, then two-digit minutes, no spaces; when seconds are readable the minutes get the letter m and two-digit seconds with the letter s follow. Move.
4h57m40s
